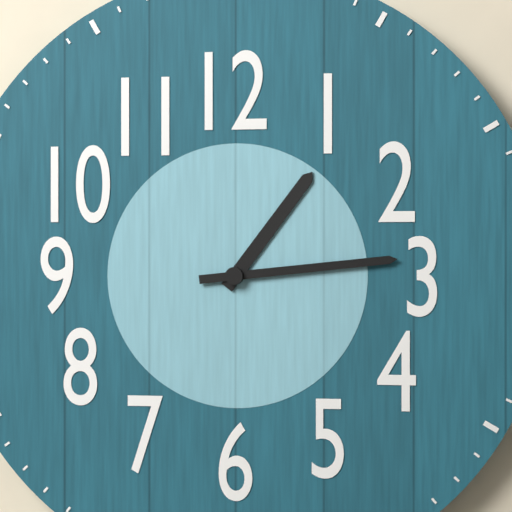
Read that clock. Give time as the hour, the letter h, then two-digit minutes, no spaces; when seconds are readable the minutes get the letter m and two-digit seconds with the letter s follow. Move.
1h14
